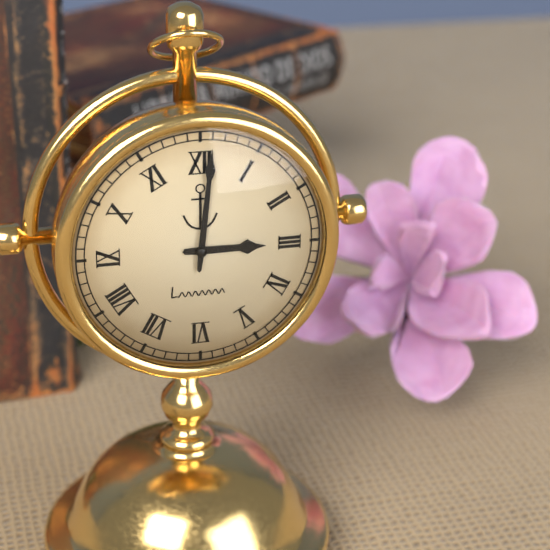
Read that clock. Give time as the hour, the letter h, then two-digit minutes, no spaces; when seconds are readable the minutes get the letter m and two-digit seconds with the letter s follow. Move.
3h01
